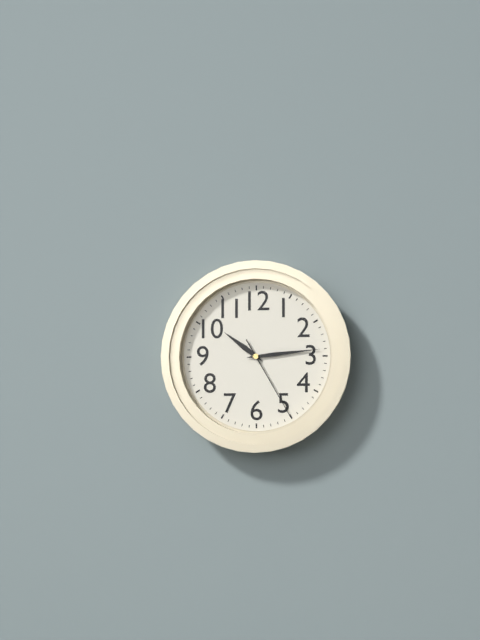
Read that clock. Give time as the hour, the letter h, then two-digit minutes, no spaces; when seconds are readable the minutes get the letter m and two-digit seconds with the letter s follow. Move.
10h14m25s
